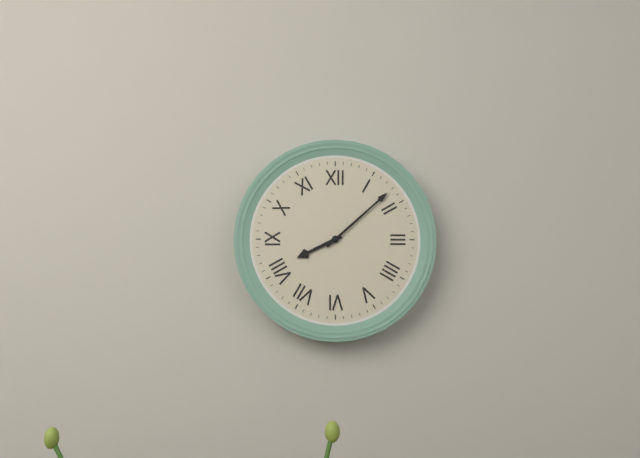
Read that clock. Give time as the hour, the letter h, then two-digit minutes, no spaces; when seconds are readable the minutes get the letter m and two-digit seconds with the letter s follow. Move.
8h08
